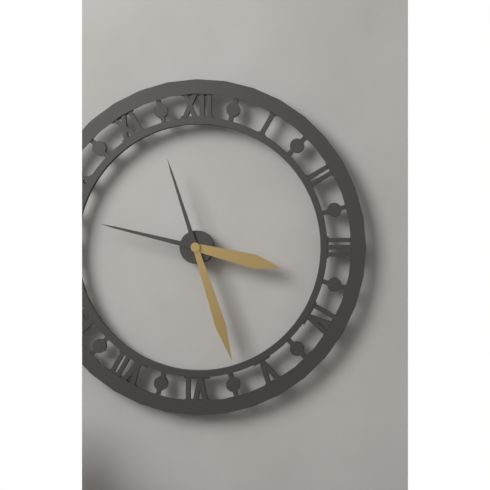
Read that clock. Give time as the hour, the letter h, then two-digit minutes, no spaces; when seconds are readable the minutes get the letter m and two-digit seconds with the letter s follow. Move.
3h27
